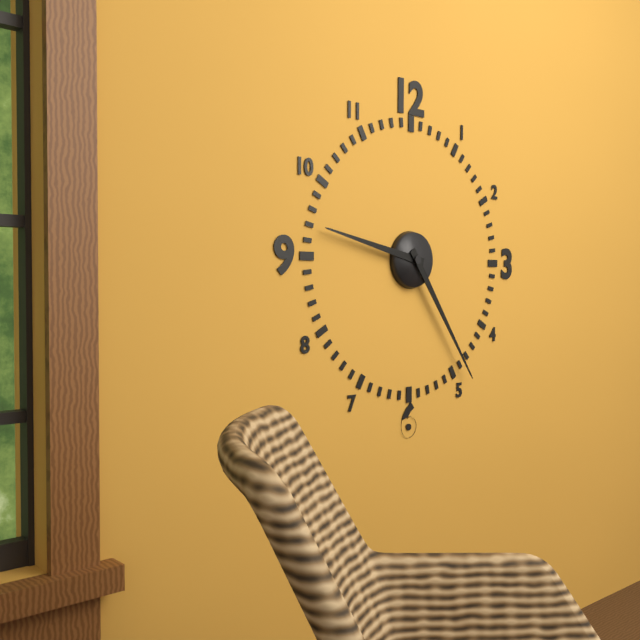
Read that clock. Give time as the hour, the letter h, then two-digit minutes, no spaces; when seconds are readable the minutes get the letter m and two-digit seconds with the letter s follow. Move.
9h24
